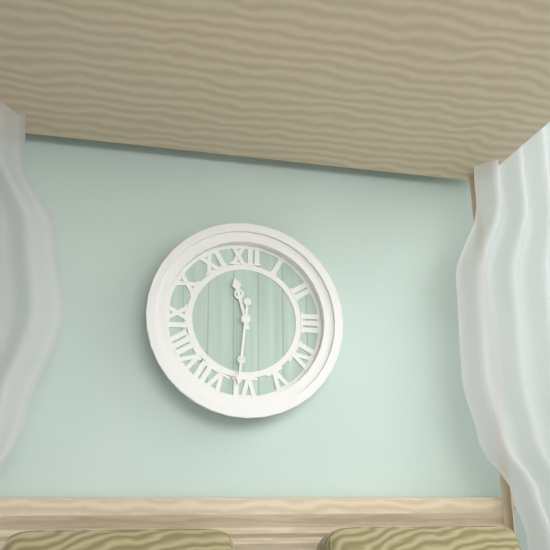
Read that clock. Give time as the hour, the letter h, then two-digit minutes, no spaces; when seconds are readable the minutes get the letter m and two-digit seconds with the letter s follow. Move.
11h31
